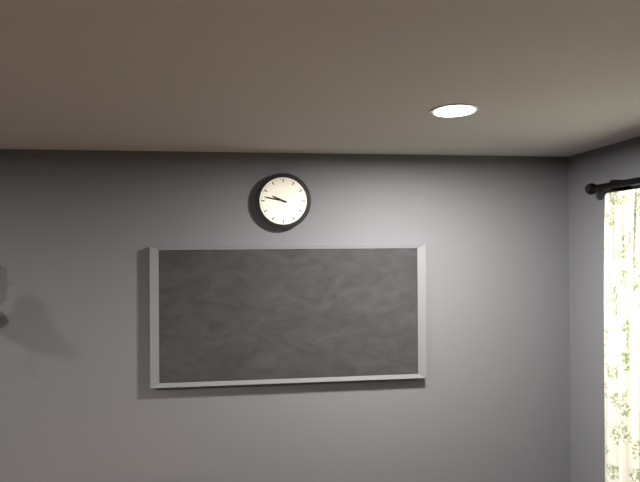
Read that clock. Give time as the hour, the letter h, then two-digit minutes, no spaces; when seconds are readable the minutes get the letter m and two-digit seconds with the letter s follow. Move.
9h47
